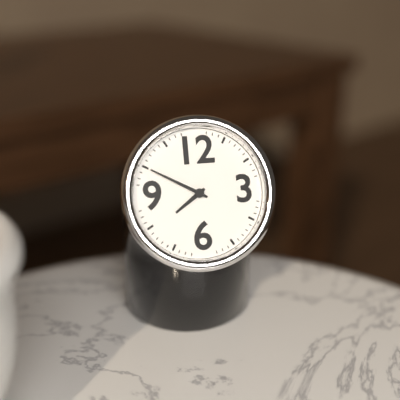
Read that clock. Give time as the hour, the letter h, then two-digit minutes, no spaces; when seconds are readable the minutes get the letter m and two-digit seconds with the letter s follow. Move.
7h50
